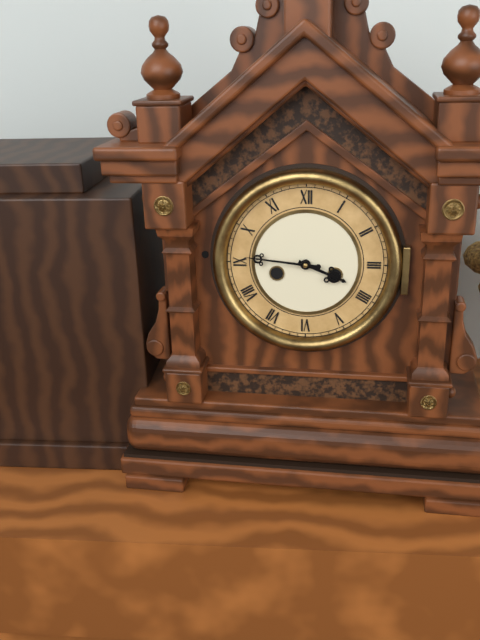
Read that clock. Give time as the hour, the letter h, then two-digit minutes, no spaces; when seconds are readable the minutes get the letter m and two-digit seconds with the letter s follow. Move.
3h46
